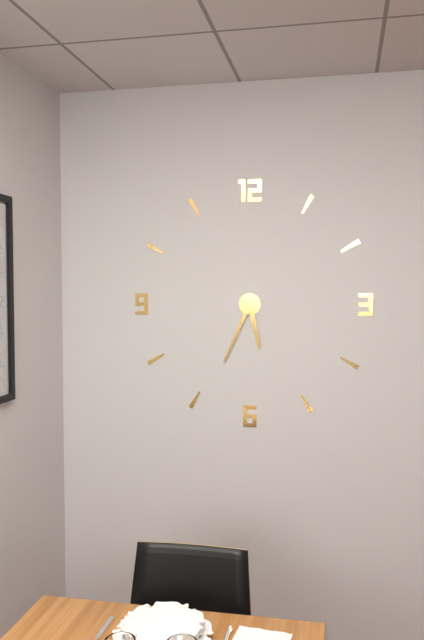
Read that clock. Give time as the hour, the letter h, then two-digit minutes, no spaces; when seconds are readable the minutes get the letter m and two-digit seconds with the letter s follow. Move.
5h34
